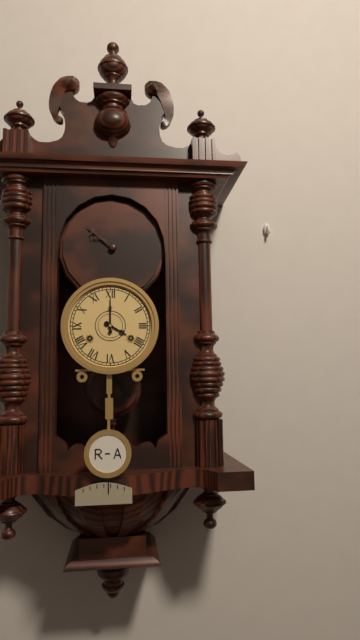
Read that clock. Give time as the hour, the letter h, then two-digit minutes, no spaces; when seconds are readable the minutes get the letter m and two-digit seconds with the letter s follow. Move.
4h00
